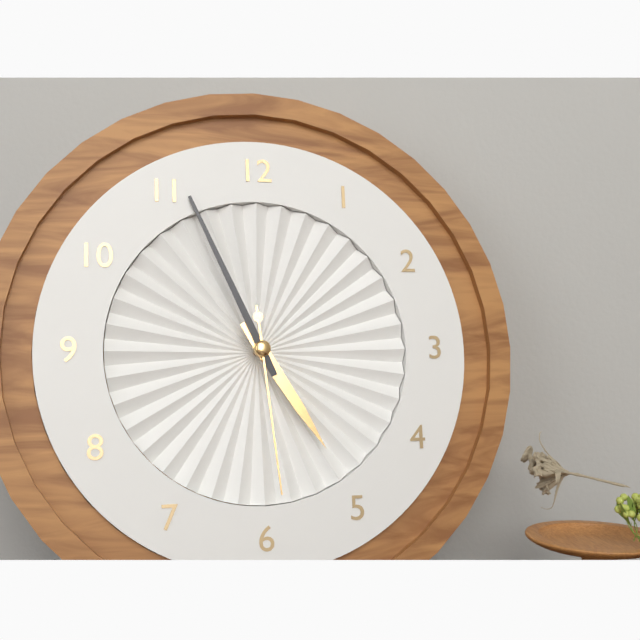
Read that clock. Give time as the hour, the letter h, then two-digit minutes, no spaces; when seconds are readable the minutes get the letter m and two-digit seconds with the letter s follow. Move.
4h56m29s
